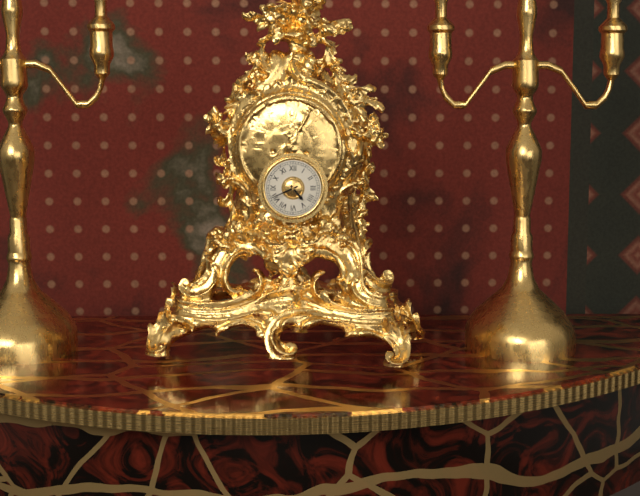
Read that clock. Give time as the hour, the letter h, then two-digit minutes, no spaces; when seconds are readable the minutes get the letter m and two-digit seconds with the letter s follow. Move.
4h41
